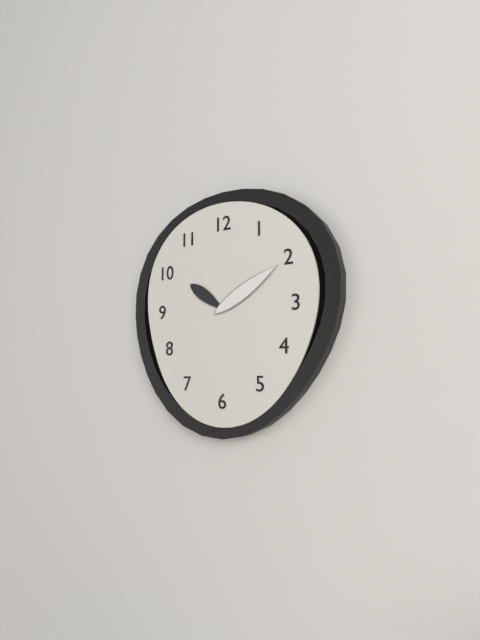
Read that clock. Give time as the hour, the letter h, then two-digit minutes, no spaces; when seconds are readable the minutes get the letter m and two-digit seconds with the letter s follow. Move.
10h10
